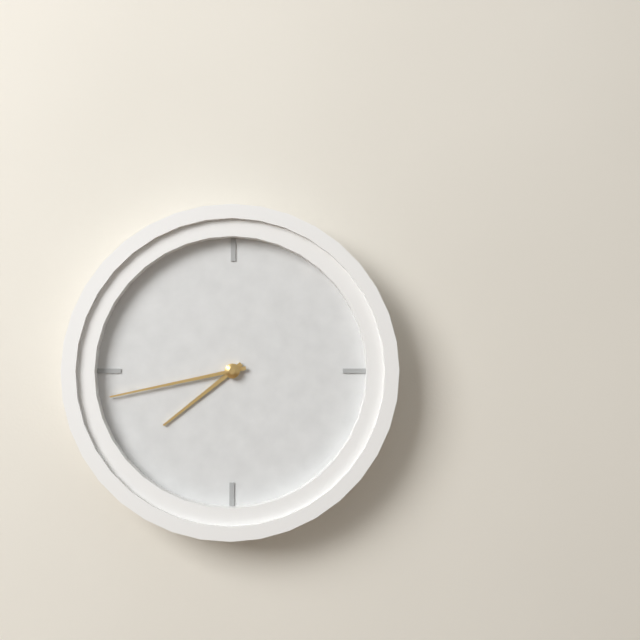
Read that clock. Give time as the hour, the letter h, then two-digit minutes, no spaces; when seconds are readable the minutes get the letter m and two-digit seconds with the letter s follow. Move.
7h43
